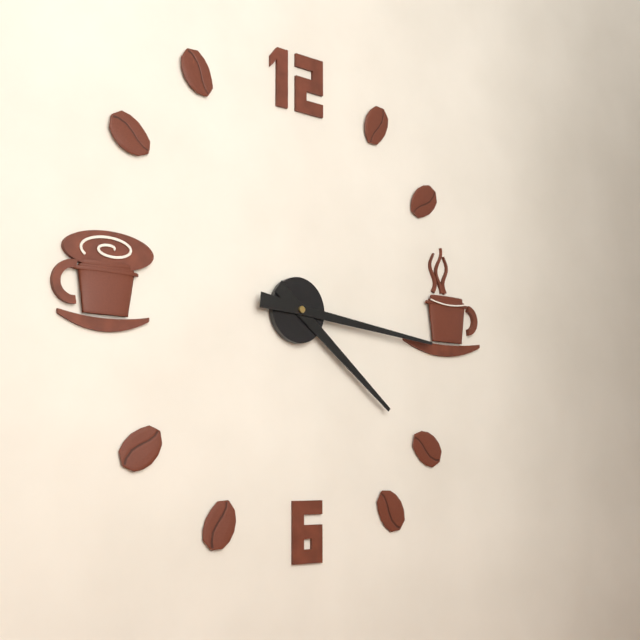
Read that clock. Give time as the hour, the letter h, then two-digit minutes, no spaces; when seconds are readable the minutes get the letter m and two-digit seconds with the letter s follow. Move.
4h16
